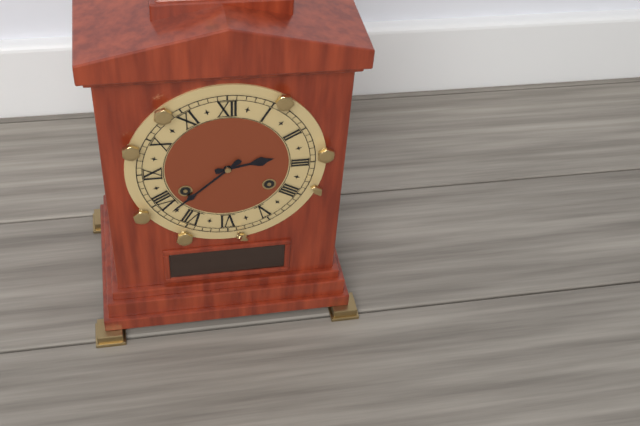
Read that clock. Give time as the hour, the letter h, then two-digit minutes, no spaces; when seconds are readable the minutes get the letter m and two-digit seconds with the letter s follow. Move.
2h38
